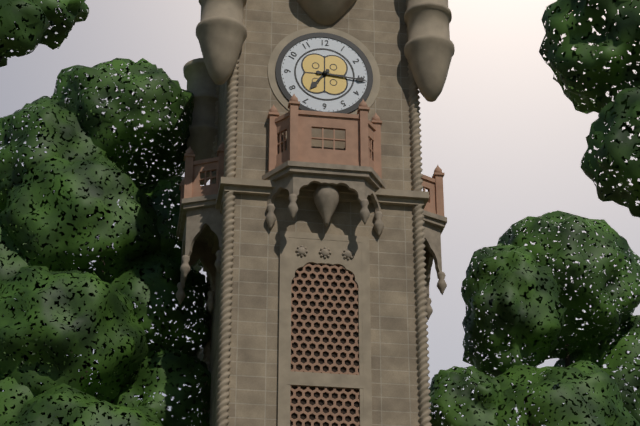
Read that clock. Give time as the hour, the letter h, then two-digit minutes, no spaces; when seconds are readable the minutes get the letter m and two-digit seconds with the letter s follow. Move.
7h16
